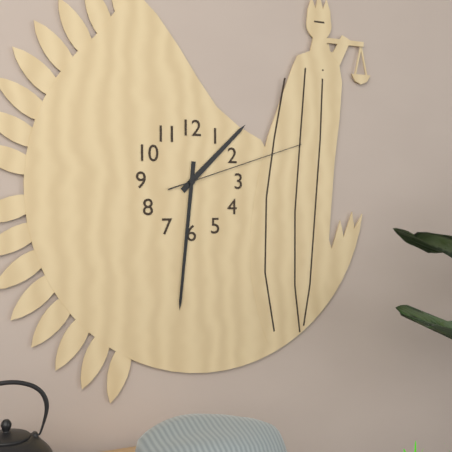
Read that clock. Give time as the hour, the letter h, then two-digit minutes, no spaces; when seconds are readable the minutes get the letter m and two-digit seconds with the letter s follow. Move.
1h31m12s
